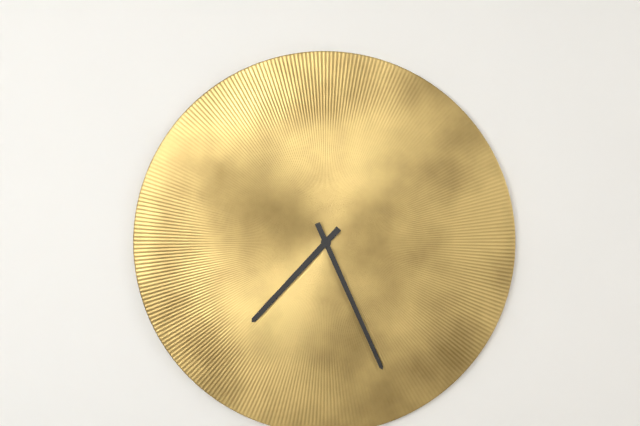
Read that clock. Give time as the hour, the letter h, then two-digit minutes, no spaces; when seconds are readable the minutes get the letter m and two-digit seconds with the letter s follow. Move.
7h26
